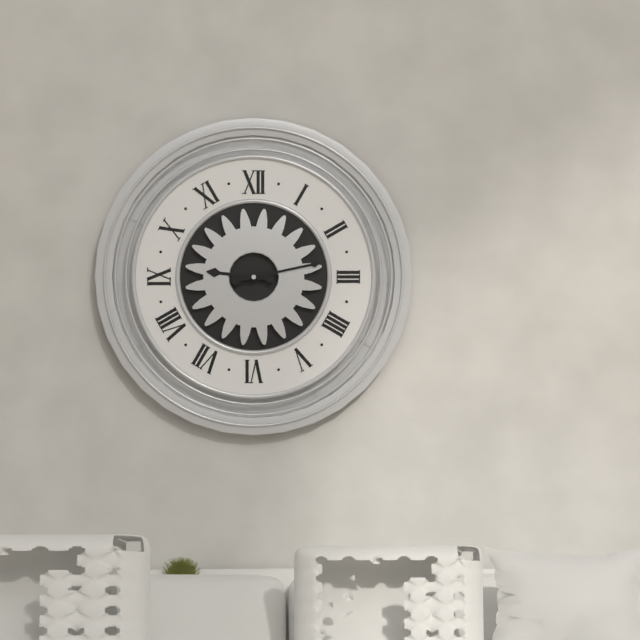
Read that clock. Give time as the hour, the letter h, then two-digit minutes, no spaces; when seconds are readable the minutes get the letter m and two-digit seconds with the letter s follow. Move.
9h13
